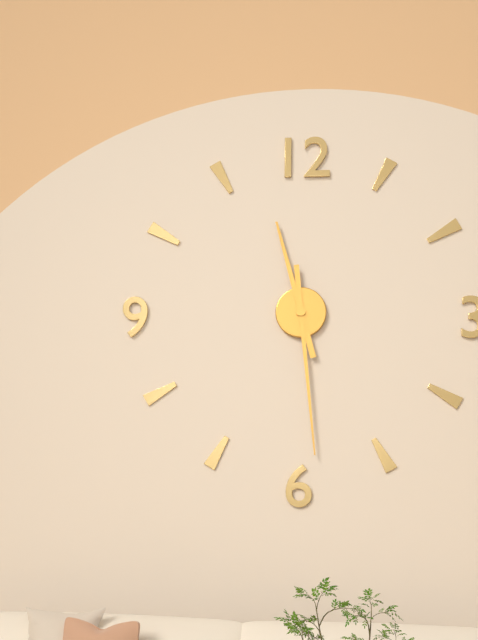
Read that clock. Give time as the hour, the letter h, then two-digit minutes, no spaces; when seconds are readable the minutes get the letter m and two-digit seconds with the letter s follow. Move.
11h29
